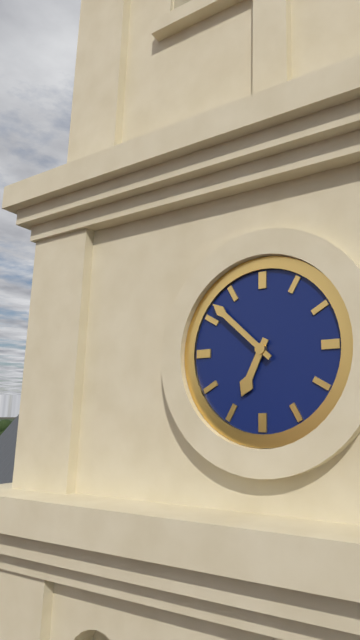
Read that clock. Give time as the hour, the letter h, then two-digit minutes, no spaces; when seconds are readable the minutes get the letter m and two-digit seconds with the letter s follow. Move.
6h52
